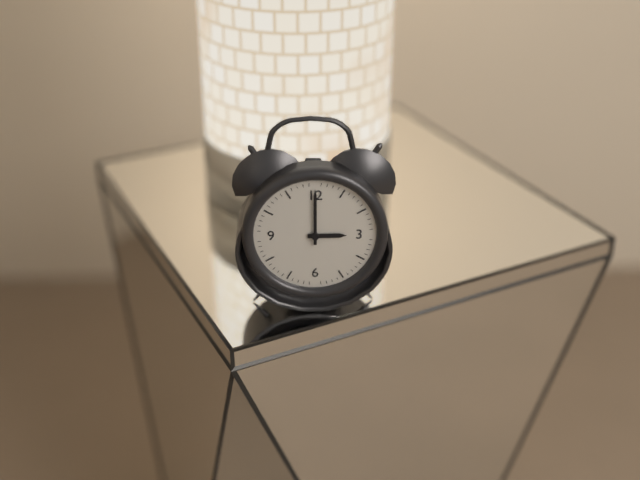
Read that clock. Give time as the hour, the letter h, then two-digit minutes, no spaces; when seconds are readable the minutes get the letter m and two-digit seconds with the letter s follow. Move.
3h00
